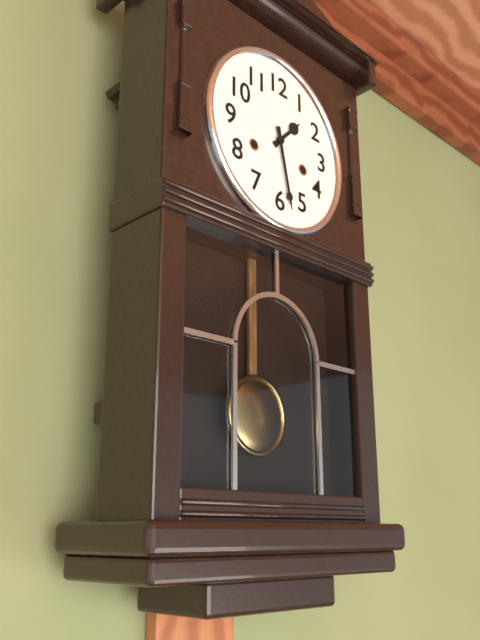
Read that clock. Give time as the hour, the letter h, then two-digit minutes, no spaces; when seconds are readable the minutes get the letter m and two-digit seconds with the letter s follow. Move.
1h28
